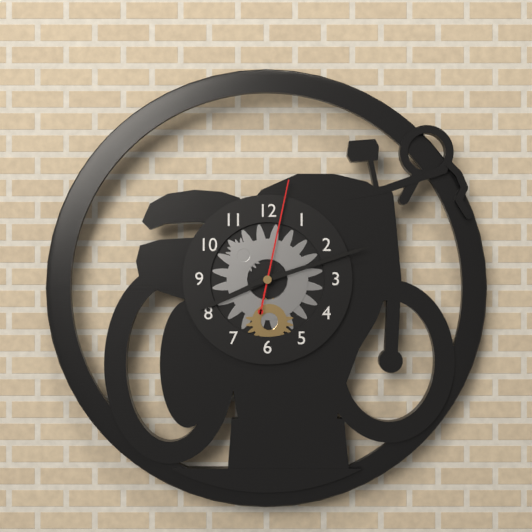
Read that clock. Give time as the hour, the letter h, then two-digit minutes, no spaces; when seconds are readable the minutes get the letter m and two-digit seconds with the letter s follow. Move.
8h12m02s
